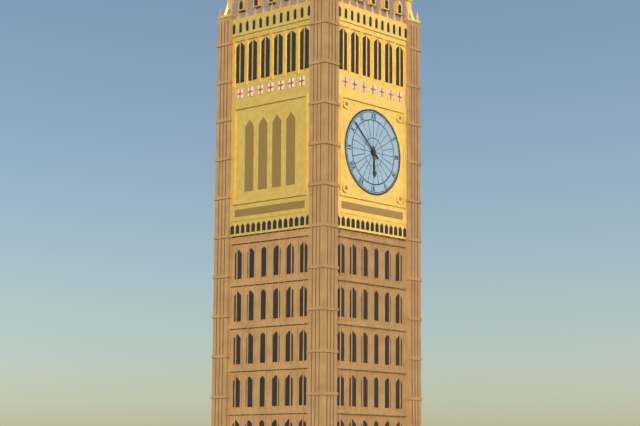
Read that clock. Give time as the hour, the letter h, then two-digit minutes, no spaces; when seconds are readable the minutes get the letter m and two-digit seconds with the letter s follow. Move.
5h52
